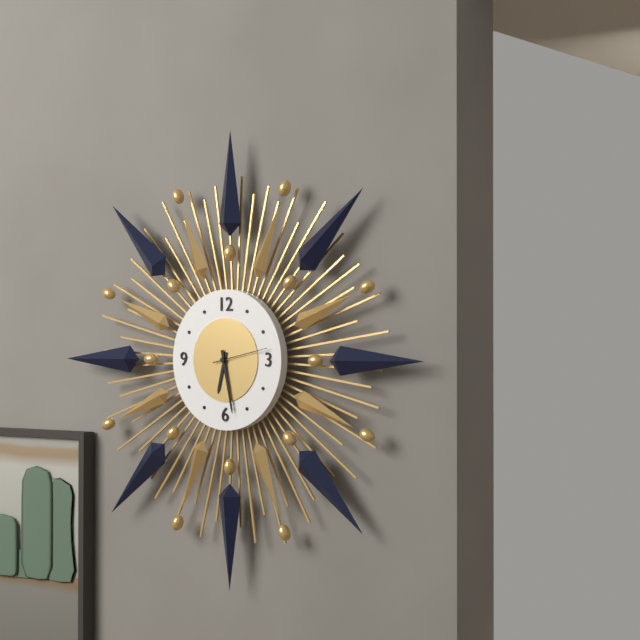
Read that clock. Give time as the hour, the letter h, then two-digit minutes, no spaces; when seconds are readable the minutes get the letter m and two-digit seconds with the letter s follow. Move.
6h28
